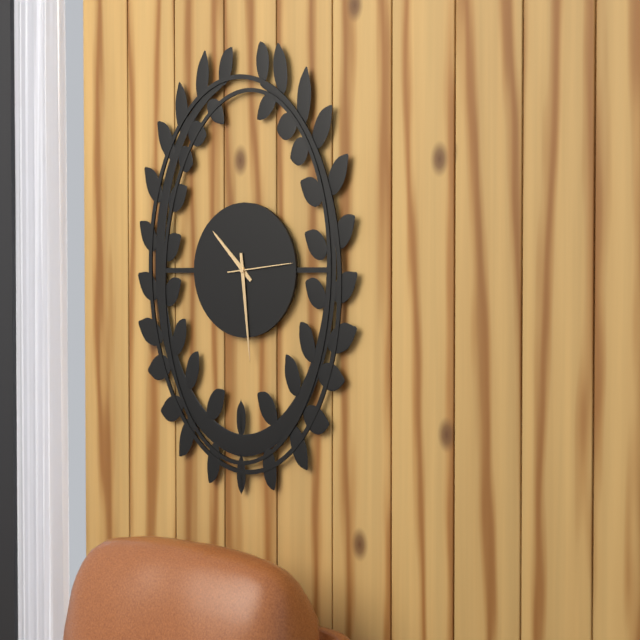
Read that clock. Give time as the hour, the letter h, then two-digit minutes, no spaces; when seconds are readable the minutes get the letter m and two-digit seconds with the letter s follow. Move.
10h29m14s
